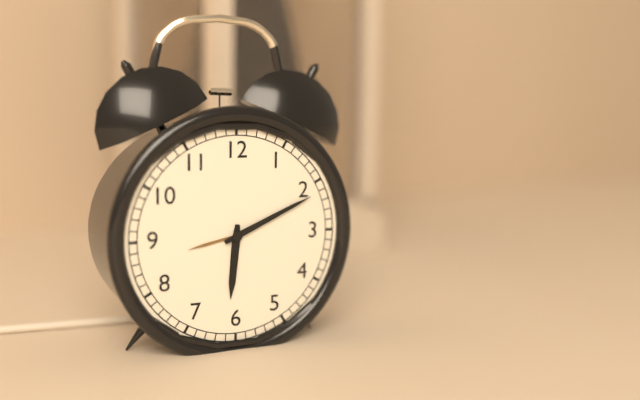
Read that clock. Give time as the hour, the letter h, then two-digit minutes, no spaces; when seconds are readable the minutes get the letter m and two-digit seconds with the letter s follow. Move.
6h11
